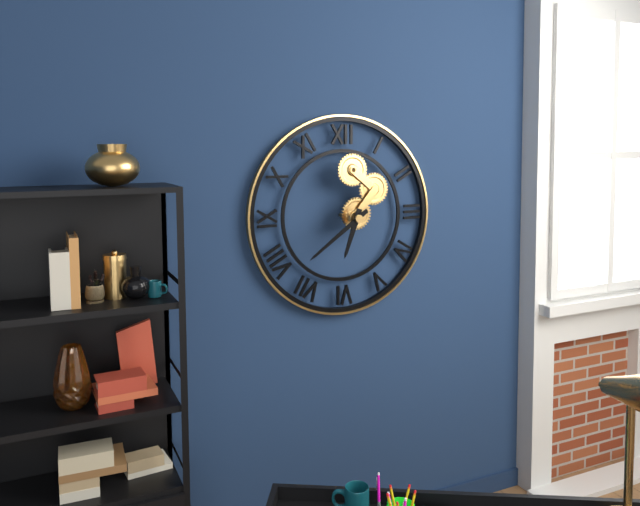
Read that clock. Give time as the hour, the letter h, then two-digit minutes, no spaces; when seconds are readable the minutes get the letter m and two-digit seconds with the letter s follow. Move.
6h39
